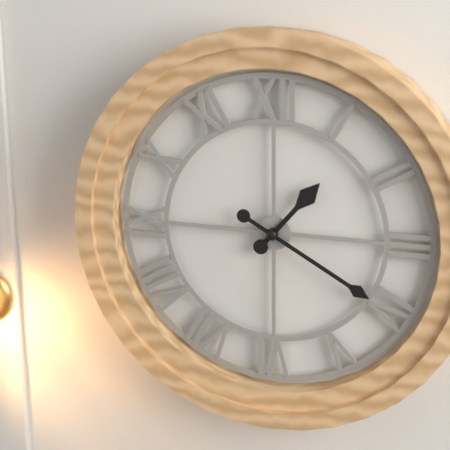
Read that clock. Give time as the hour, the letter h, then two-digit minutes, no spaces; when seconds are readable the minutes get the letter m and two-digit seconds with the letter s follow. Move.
1h20
